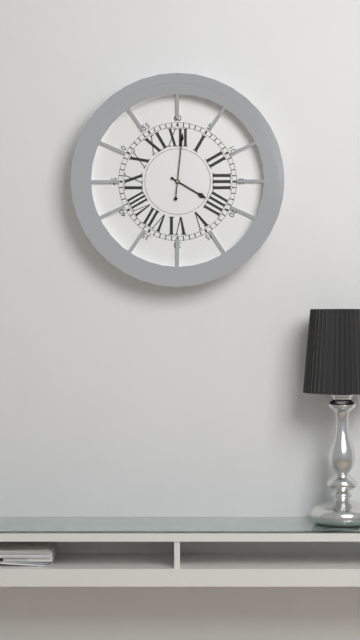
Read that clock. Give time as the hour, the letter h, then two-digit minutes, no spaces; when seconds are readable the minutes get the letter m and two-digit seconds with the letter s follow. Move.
4h01
